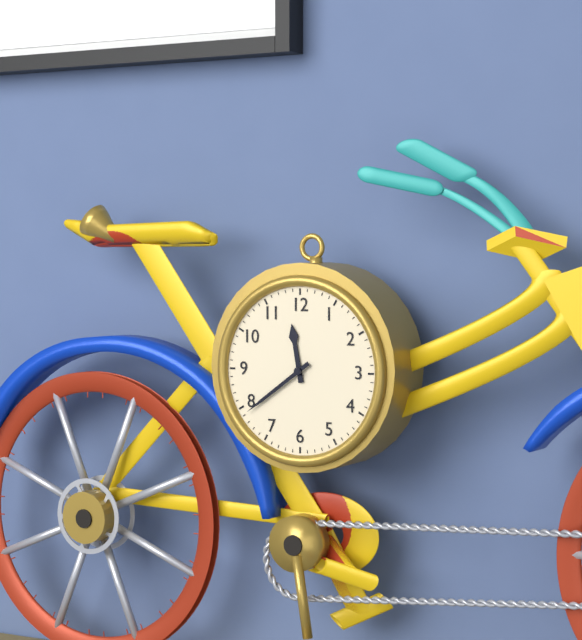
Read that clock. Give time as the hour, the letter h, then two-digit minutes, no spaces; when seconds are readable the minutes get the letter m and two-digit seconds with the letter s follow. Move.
11h39
